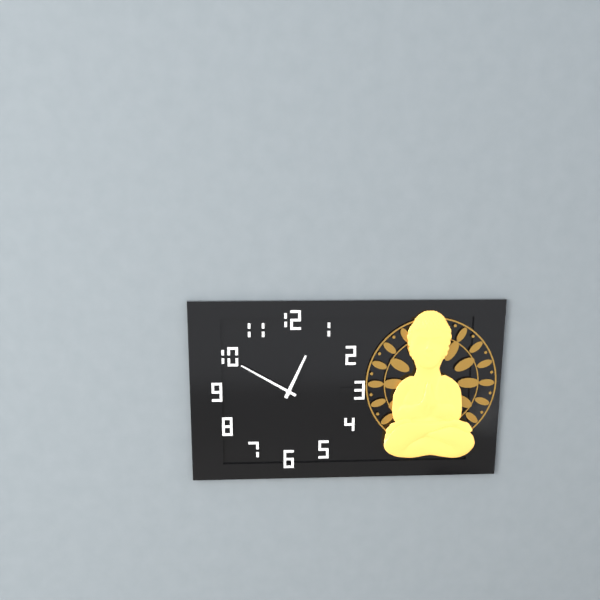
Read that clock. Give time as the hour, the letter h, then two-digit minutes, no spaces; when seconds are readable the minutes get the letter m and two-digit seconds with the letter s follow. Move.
12h50
